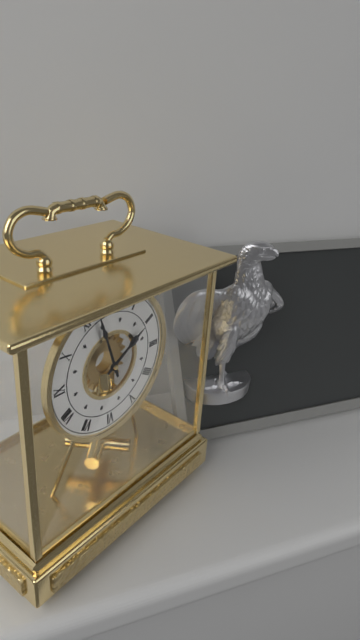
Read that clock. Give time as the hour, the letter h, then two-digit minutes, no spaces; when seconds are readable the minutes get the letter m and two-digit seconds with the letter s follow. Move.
1h57
